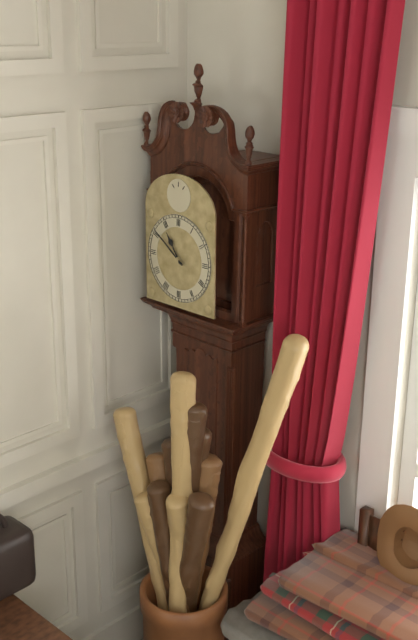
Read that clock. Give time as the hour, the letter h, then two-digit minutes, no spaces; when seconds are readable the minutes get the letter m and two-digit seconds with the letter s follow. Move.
10h51
